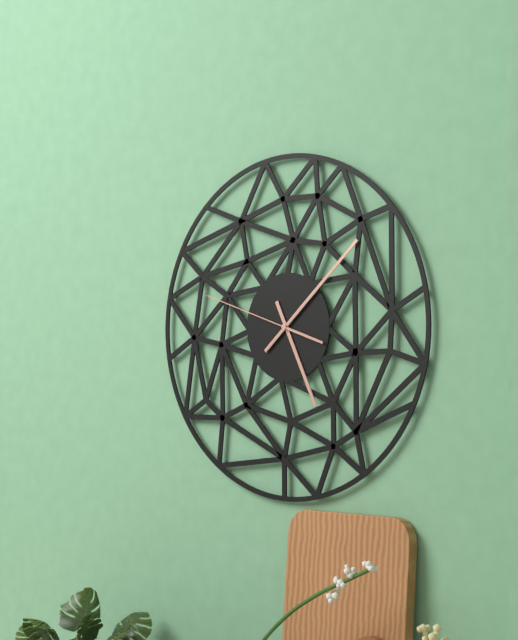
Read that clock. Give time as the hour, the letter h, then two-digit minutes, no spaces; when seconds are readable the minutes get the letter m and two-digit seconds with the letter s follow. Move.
5h08m48s
